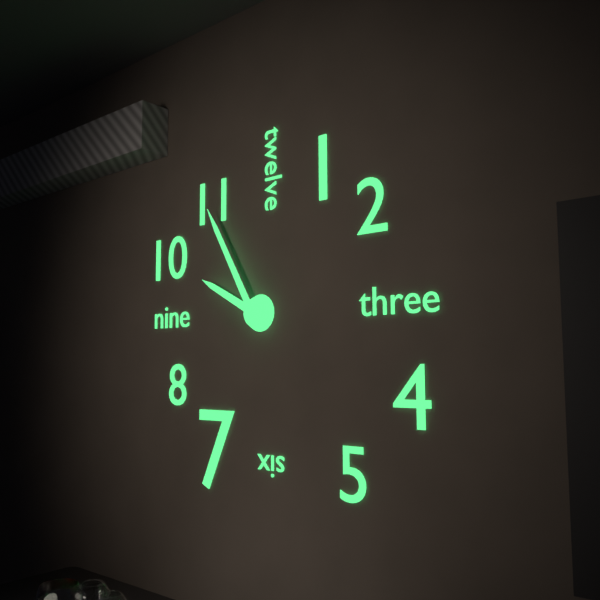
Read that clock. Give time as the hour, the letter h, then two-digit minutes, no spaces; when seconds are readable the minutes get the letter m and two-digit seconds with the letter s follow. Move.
9h55
